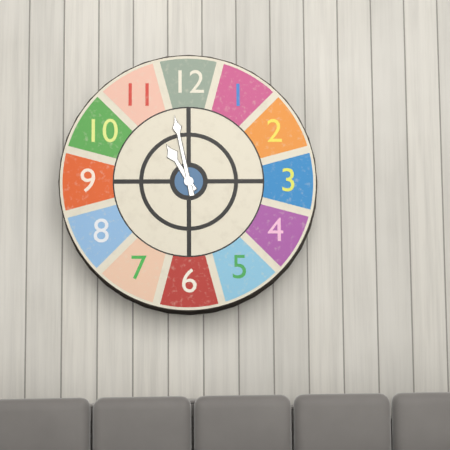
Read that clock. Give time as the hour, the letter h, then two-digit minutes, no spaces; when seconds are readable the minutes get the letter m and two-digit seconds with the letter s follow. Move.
10h58
